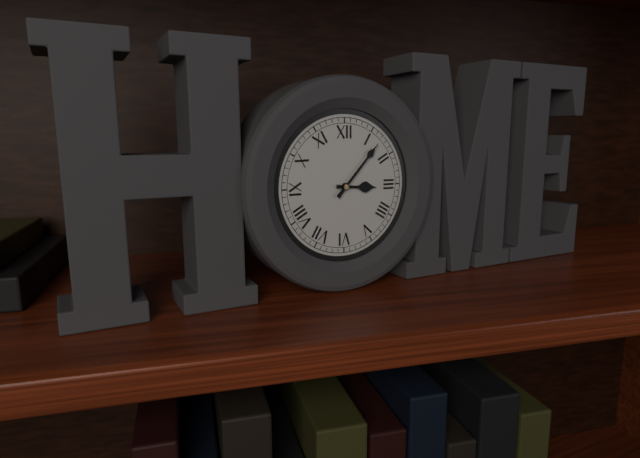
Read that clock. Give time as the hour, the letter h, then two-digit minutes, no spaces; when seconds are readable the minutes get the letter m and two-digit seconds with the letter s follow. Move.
3h07
